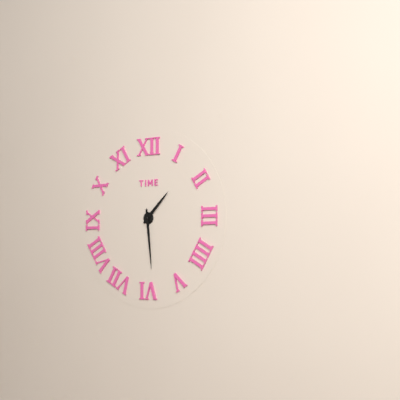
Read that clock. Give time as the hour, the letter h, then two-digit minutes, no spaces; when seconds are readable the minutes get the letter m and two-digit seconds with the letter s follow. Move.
1h29
